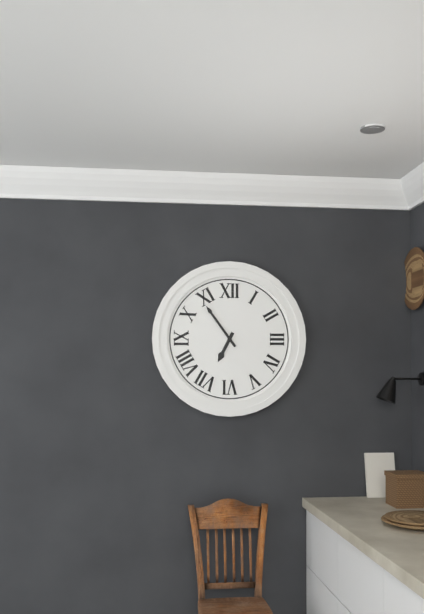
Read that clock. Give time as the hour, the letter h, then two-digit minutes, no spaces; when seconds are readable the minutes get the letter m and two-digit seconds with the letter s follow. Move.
6h54
